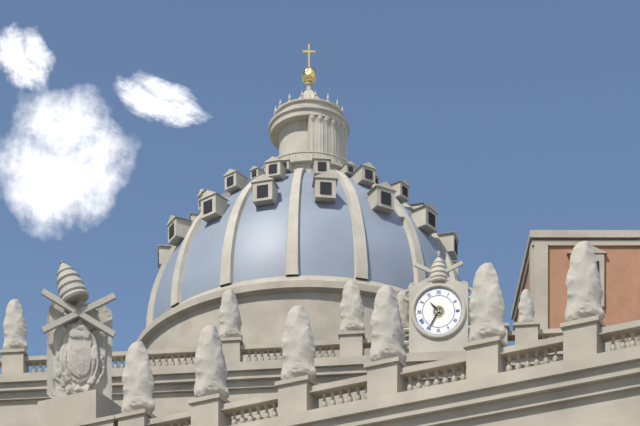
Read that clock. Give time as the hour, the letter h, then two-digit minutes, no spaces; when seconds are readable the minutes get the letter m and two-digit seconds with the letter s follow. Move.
10h35
